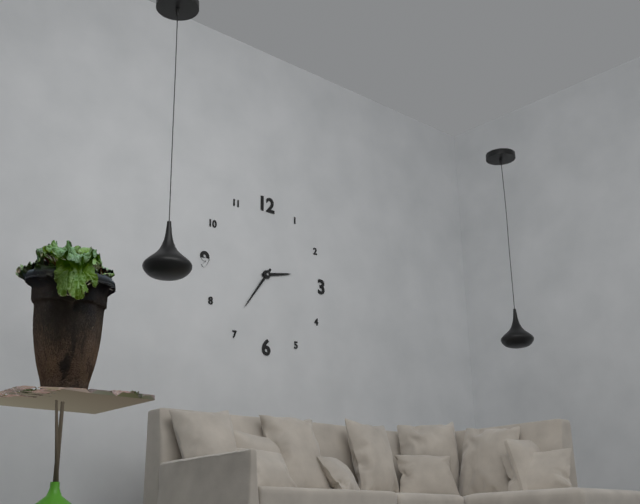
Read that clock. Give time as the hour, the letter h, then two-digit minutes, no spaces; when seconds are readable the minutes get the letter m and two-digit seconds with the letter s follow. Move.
2h36
